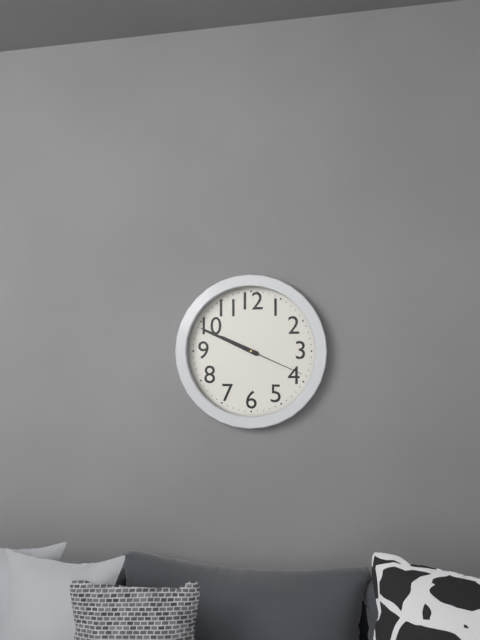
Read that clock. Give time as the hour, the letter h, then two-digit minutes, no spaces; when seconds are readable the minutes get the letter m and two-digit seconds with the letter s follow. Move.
9h49m19s
